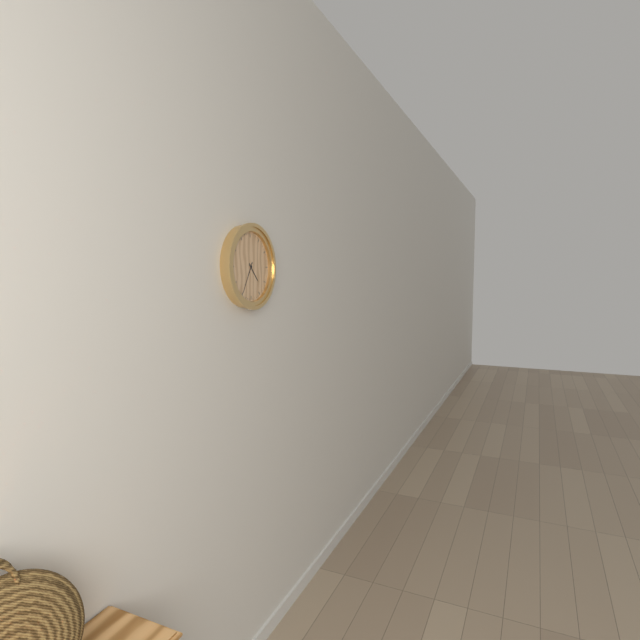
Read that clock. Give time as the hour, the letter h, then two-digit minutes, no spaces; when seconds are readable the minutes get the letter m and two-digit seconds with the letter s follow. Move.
4h35
